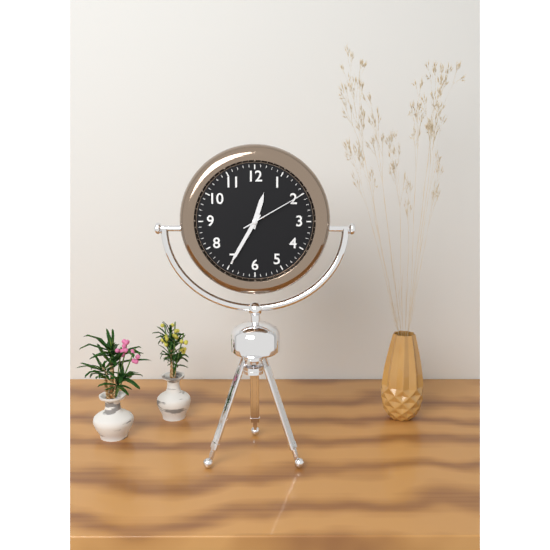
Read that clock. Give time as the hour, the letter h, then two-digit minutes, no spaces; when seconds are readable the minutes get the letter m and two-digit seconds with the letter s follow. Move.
12h35m10s
